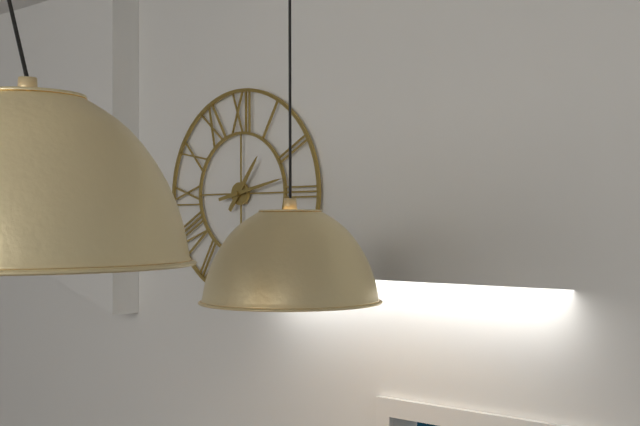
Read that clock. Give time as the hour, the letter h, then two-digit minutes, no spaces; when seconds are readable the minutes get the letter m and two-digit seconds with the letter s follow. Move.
1h13
